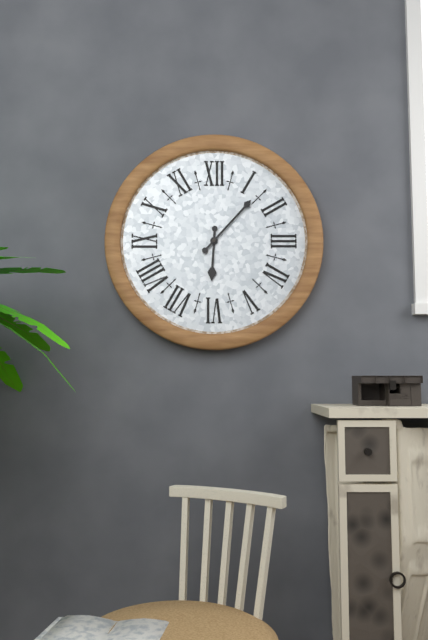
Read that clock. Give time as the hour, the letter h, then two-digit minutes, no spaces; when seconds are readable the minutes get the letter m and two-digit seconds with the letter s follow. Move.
6h07
